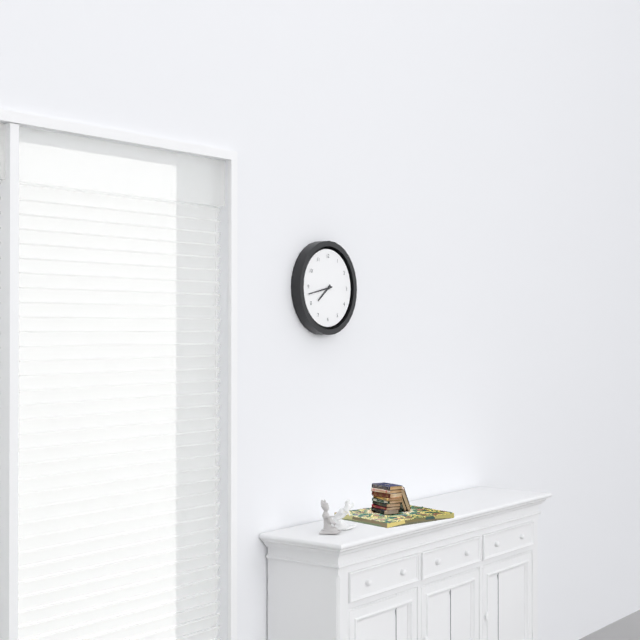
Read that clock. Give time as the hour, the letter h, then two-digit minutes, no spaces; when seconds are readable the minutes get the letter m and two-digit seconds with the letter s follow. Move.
7h43
